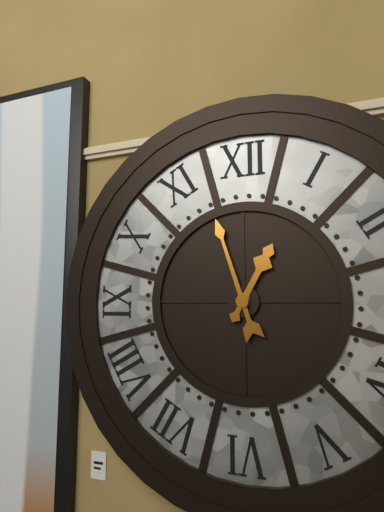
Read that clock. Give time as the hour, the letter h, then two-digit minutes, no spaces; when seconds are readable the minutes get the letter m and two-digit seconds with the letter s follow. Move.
12h57
